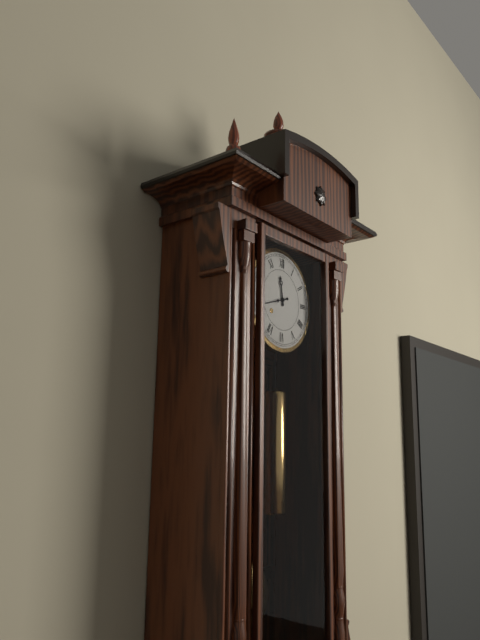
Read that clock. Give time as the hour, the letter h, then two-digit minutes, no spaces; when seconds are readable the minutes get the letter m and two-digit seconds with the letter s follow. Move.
11h42
